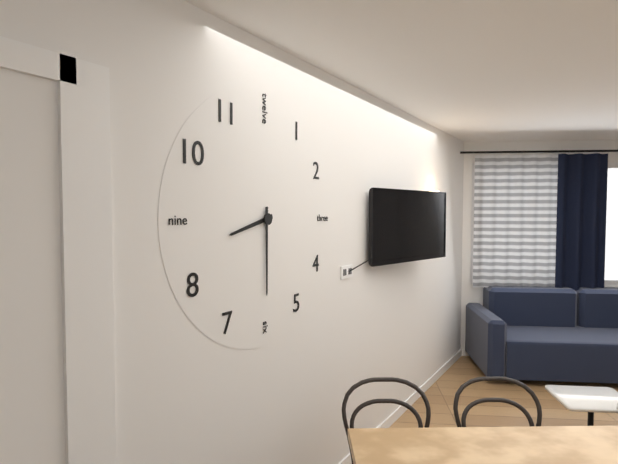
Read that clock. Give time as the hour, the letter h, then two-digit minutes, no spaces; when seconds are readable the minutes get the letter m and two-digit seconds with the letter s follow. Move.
8h30
